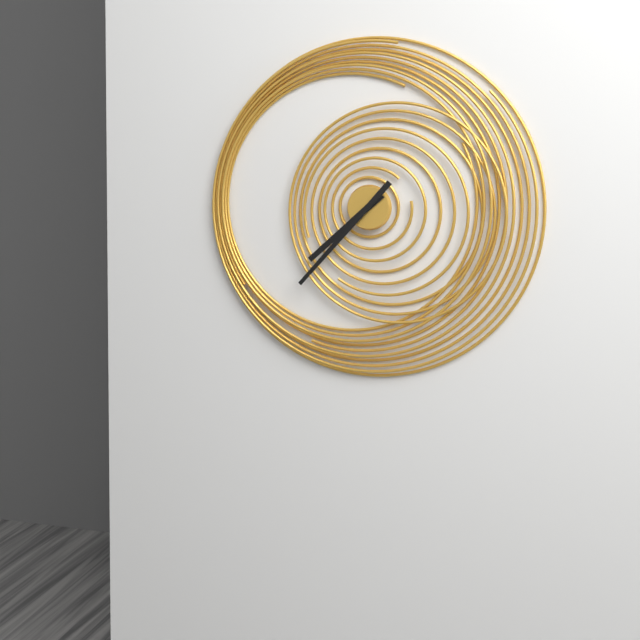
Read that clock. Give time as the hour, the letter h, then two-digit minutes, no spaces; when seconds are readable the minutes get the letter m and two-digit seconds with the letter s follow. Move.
7h37
